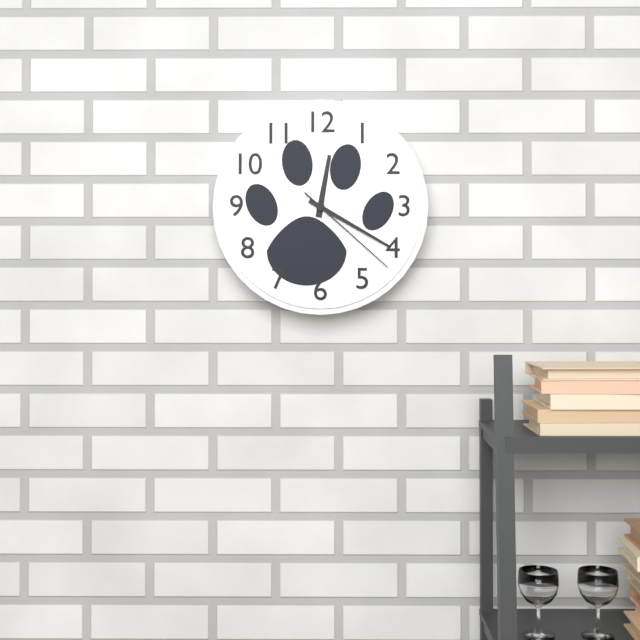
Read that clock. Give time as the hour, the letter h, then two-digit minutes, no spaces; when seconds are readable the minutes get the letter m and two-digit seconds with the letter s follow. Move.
12h20m22s
